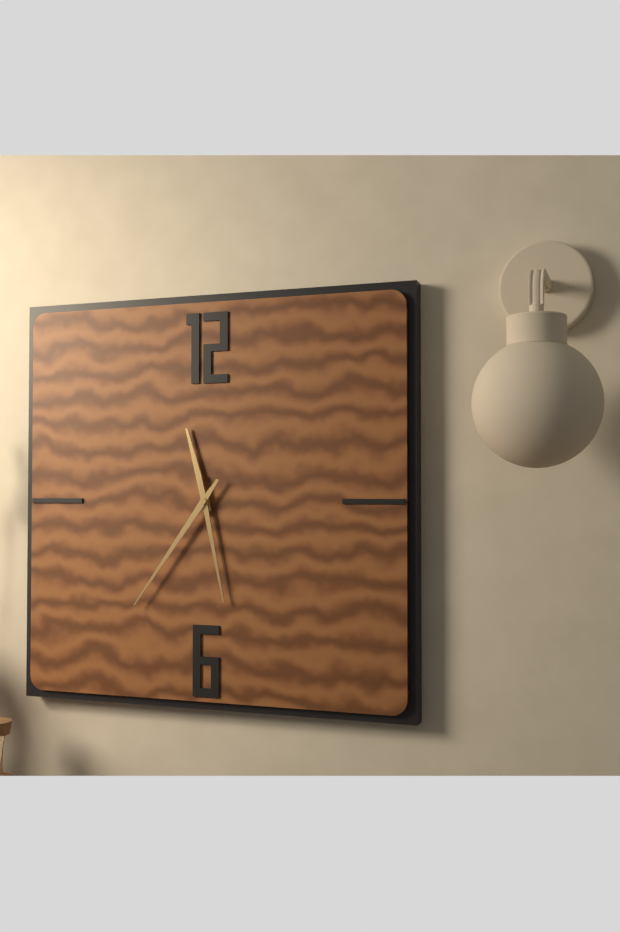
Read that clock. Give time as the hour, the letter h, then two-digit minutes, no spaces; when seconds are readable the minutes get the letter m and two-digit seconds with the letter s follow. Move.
11h28m36s
